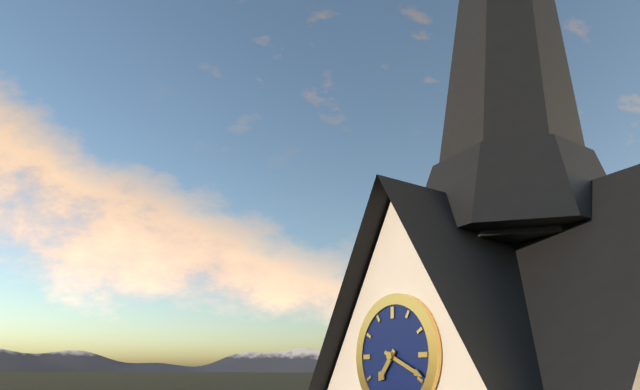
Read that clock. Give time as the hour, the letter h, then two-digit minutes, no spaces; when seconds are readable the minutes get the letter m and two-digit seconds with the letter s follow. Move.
7h19
